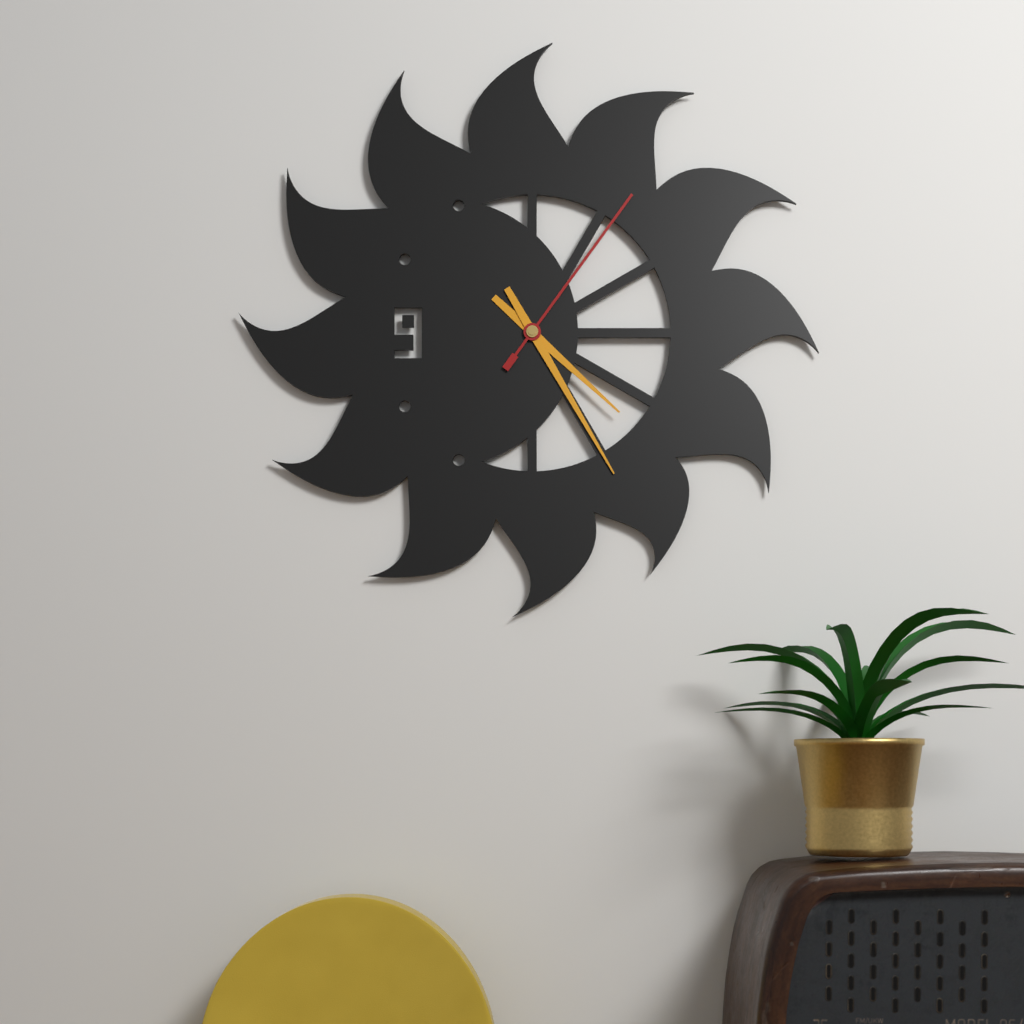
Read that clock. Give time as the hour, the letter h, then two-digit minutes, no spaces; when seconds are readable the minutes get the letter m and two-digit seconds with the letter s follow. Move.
4h25m06s
